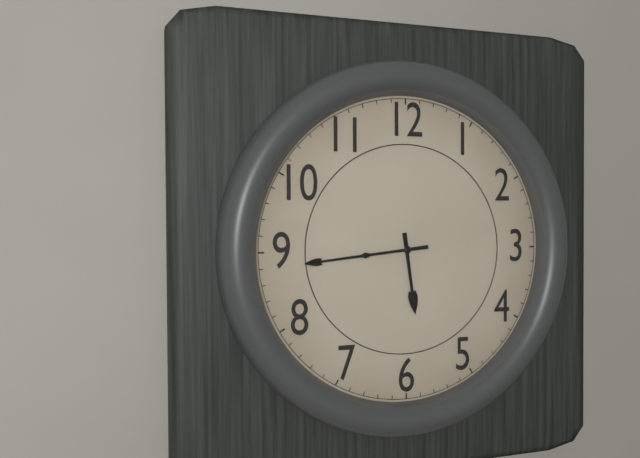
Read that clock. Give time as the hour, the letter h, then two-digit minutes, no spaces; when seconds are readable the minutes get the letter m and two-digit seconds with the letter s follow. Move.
5h44
